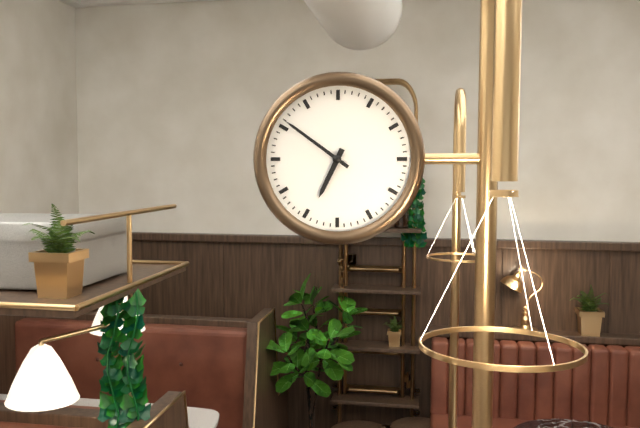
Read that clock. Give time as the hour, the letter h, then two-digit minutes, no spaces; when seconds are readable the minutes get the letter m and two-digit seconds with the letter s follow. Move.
6h51
